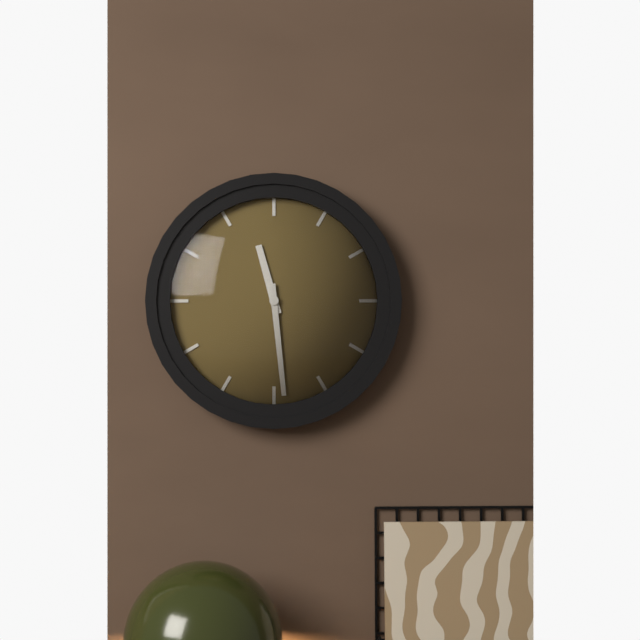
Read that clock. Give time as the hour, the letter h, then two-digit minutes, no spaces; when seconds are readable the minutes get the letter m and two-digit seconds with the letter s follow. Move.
11h29
